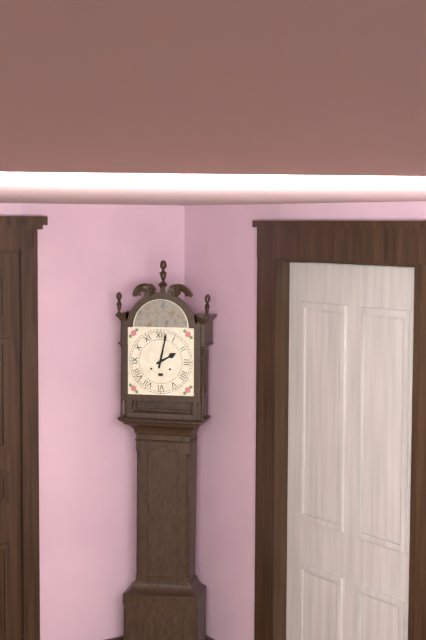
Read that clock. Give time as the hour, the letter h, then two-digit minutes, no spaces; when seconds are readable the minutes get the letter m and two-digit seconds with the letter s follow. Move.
2h02
